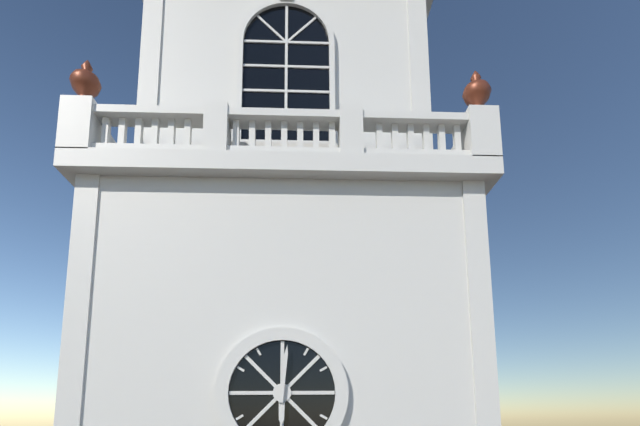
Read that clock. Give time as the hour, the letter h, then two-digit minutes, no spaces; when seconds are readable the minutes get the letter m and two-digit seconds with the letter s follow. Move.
6h01
